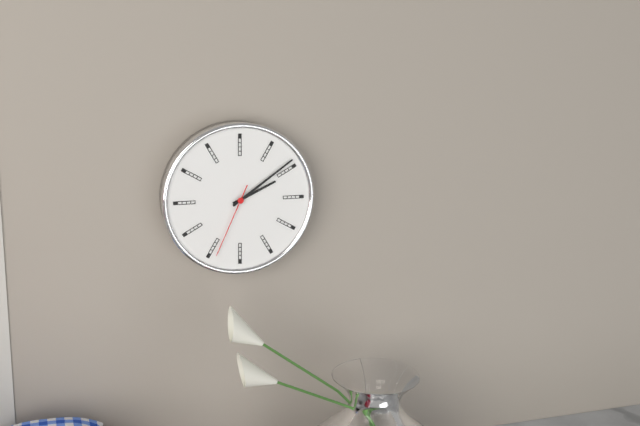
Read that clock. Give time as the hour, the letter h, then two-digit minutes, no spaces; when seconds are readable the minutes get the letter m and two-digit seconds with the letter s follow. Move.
2h09m34s
